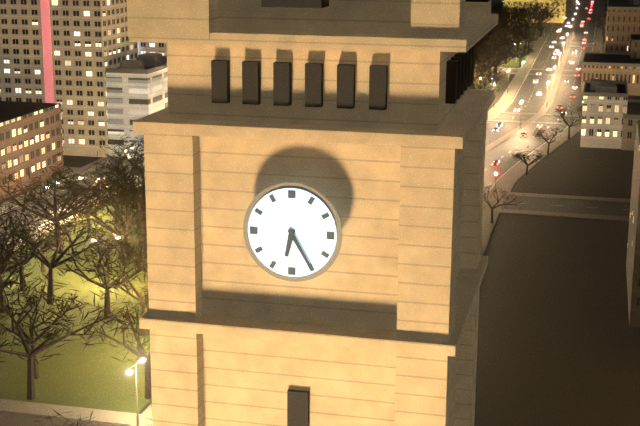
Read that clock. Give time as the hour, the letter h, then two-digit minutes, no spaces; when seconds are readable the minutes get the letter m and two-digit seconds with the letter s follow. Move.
6h25
